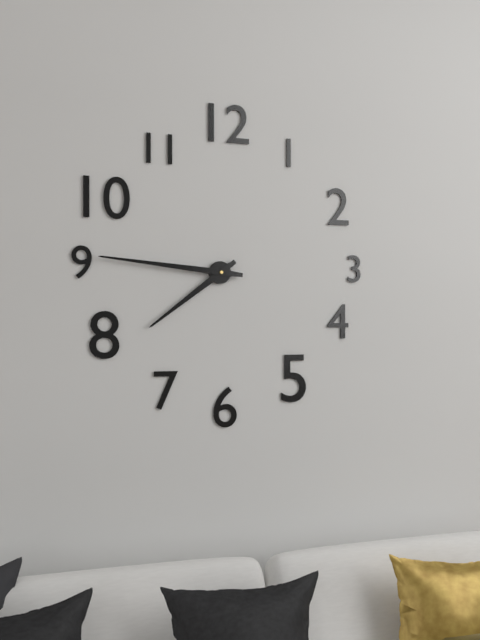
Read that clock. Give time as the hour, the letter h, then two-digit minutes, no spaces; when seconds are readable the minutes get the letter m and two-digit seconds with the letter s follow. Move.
7h46
